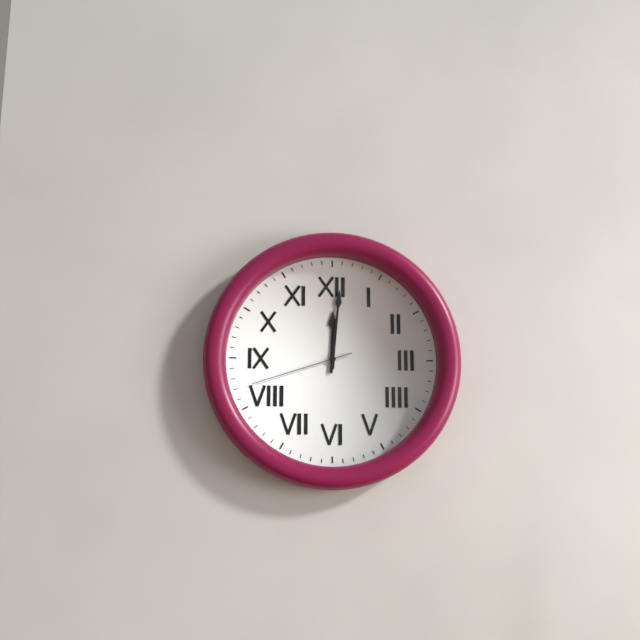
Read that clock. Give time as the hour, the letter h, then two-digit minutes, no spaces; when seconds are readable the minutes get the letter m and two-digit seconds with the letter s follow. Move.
12h01m42s
